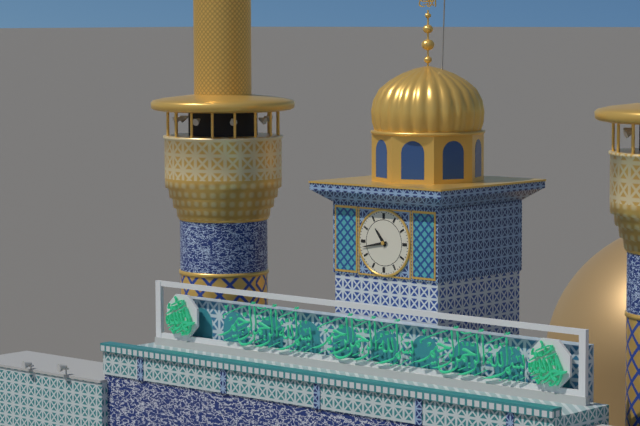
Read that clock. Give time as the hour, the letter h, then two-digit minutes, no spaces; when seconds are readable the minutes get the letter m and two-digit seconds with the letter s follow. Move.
10h43
